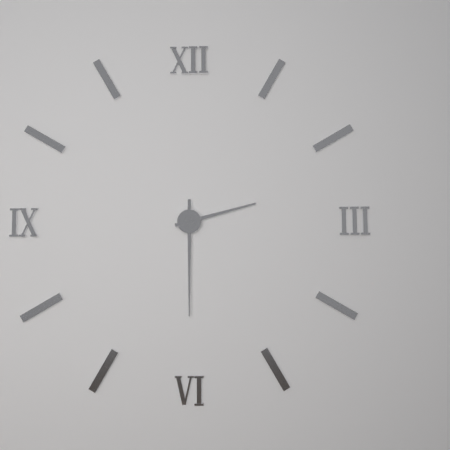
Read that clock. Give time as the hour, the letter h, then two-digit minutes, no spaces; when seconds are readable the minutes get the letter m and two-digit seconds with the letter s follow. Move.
2h30
